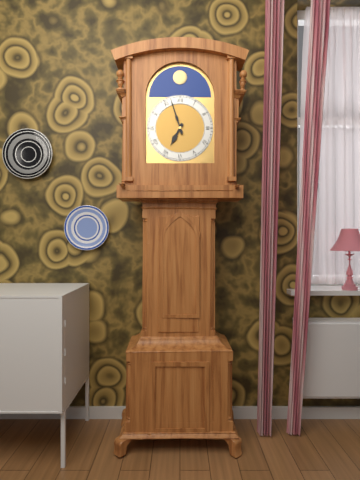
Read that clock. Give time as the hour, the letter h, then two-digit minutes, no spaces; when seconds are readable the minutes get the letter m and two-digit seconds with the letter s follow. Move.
6h57
